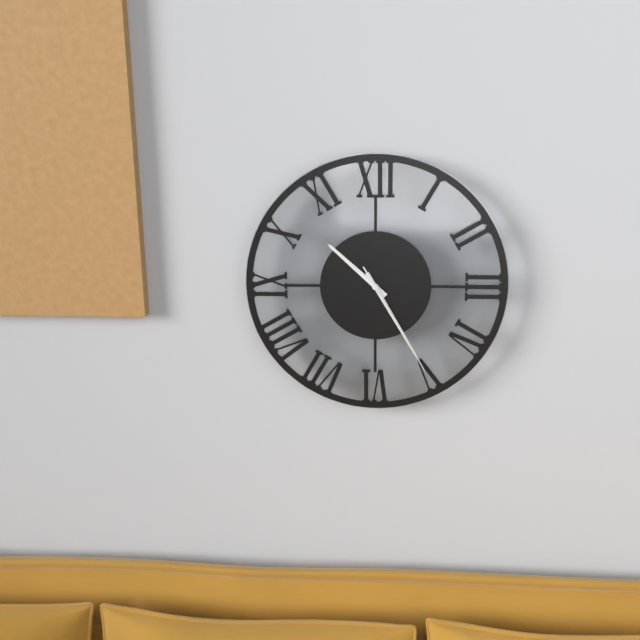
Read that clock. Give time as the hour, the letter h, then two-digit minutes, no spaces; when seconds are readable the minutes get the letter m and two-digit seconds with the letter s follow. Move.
10h25m25s
